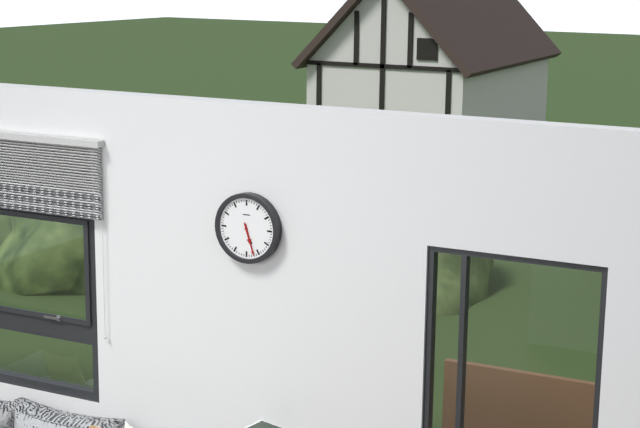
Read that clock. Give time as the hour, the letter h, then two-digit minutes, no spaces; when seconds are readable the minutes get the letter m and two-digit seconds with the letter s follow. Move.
5h27
